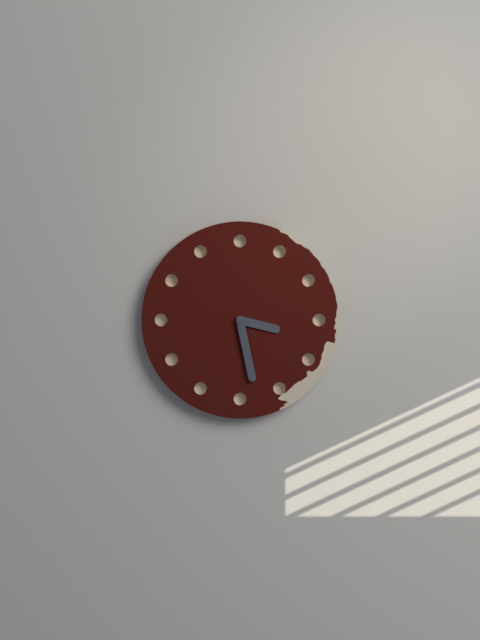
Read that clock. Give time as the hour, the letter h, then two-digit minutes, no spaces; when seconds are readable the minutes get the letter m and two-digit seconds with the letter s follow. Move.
3h28
